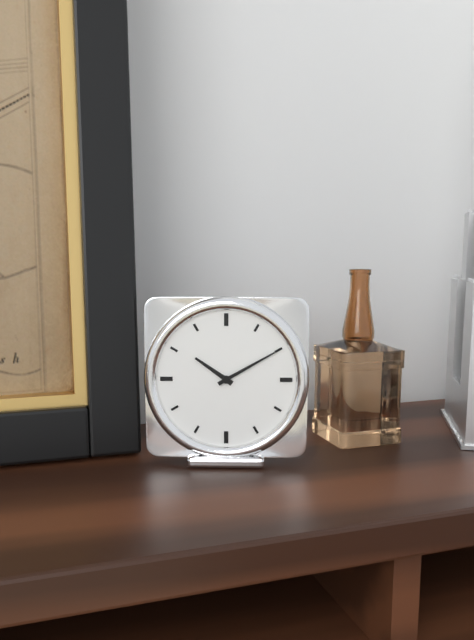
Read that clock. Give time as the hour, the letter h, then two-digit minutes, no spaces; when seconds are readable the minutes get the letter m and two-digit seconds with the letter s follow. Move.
10h10
